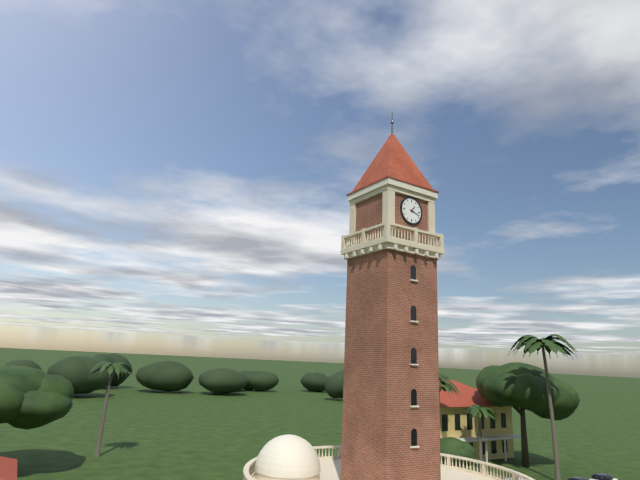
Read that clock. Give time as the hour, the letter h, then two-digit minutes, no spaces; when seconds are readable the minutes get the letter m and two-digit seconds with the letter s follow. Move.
1h18
